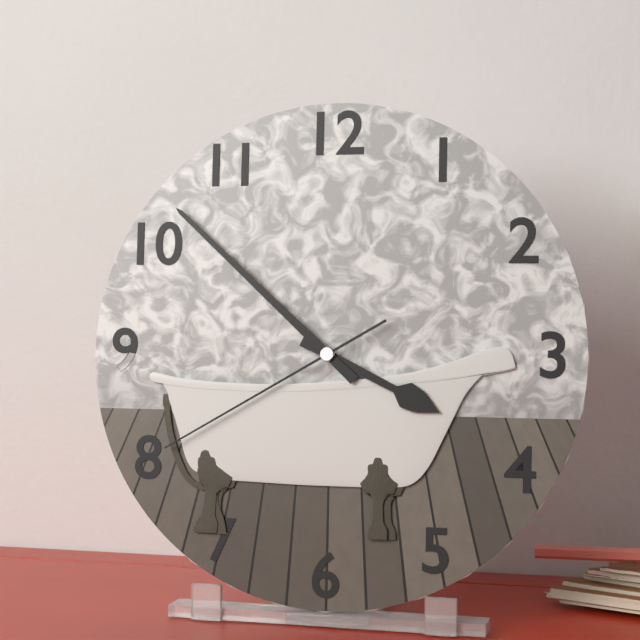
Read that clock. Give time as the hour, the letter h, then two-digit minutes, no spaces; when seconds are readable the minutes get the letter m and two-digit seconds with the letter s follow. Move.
3h52m40s
